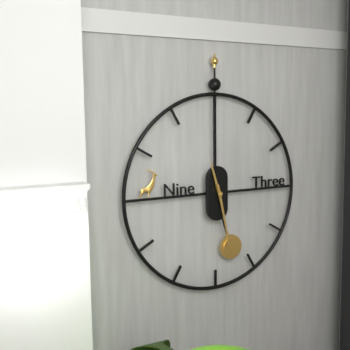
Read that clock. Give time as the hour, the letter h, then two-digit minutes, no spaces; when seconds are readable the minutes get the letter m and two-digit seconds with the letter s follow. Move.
11h28
